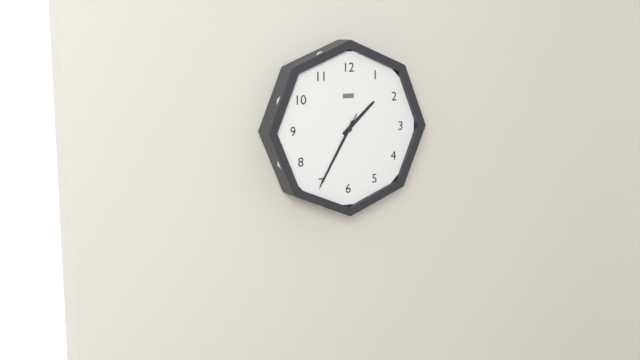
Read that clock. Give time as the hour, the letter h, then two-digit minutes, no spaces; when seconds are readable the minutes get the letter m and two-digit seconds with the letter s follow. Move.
1h35m35s
